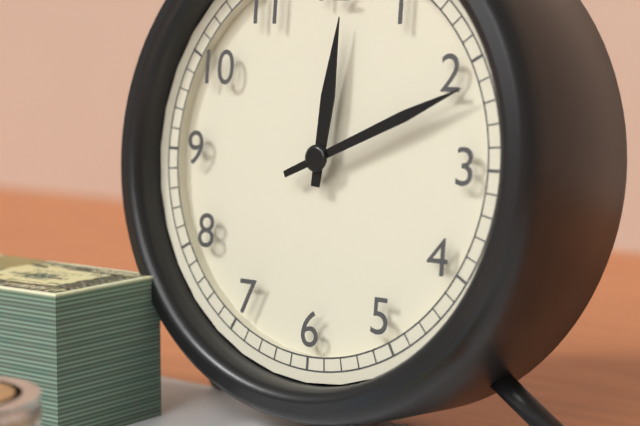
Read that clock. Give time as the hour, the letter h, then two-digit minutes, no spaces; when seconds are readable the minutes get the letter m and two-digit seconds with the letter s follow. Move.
12h11
